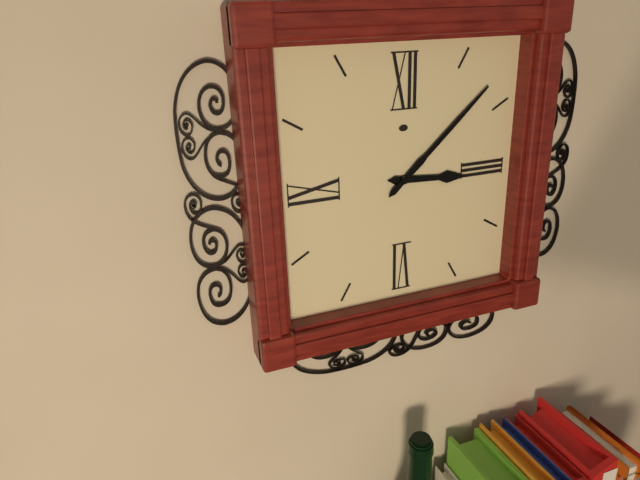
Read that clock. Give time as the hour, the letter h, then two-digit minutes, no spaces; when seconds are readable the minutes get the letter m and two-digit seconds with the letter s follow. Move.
3h08
